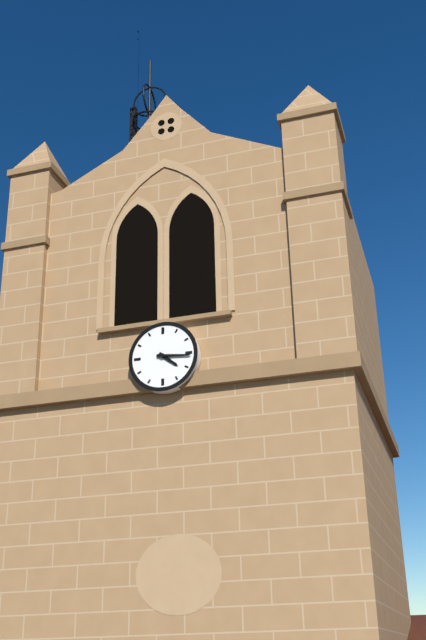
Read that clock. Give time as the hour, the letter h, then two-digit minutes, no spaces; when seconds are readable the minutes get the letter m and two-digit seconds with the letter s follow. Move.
4h16
